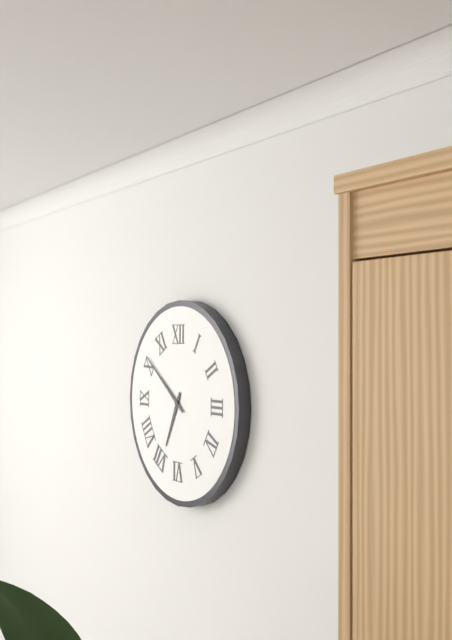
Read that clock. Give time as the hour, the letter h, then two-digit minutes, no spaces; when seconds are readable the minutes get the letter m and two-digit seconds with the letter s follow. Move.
6h51
